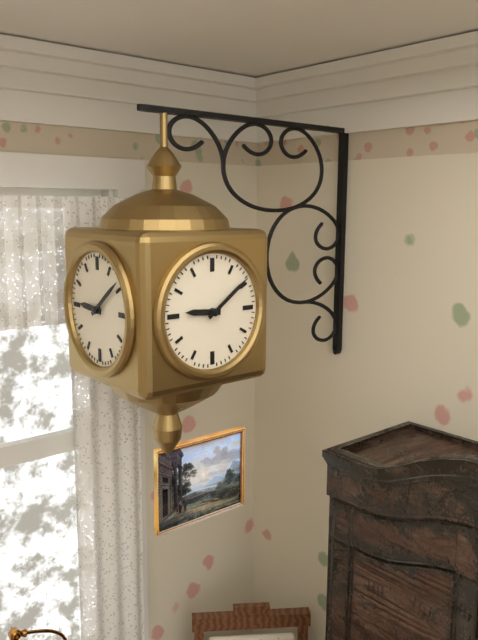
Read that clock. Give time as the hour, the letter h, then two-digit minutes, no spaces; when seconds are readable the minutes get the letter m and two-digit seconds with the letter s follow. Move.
9h09
